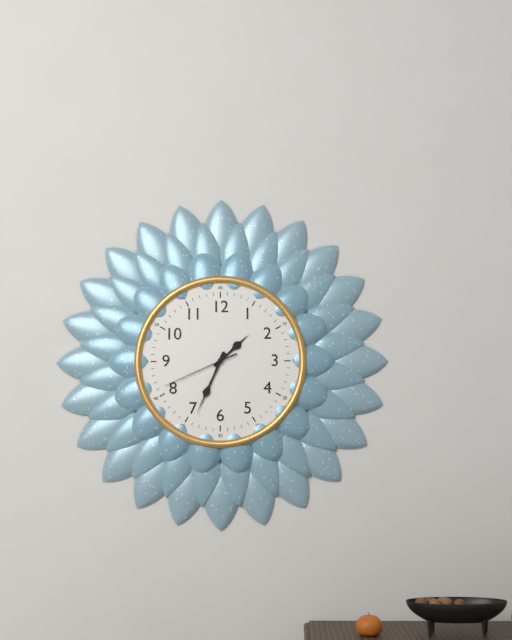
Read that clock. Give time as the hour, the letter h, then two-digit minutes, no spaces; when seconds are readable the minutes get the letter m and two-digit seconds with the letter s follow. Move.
1h34m41s
